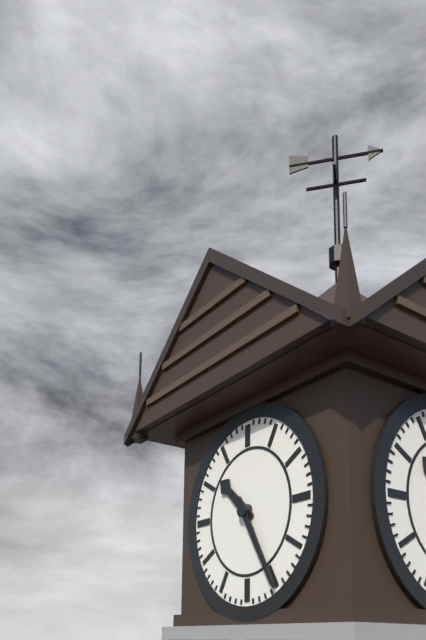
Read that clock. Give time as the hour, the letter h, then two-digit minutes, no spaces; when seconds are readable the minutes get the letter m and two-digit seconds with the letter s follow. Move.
10h25
